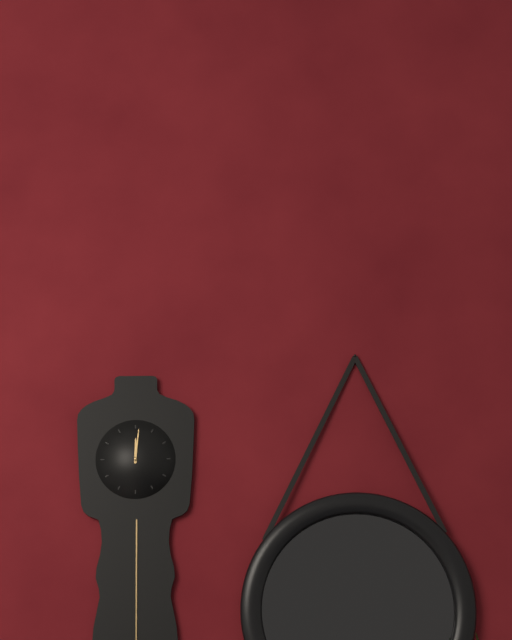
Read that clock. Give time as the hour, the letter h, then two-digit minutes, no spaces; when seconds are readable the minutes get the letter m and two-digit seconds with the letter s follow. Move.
12h01
